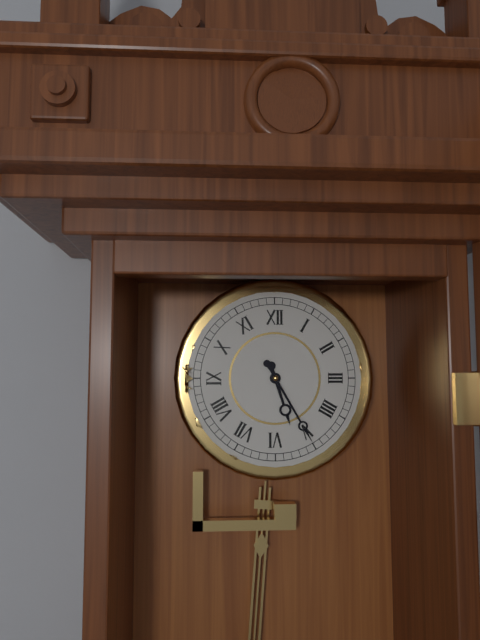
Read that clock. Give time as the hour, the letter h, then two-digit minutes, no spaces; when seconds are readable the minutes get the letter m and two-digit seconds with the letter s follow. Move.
5h25
